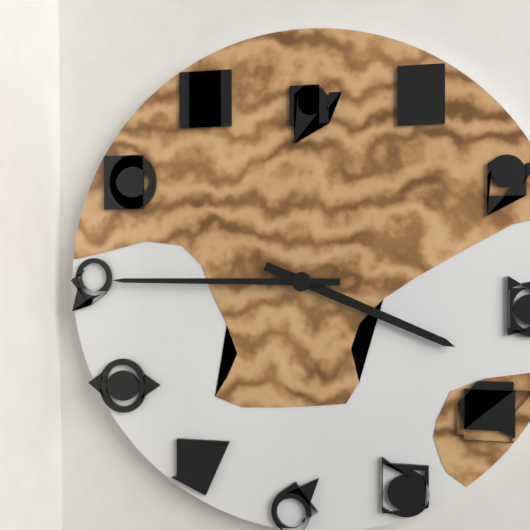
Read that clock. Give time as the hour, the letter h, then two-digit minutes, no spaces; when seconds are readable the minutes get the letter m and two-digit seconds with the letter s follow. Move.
3h45
